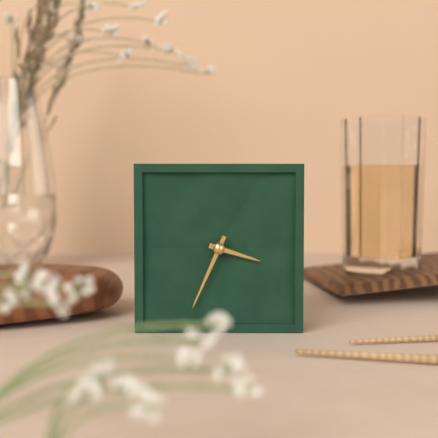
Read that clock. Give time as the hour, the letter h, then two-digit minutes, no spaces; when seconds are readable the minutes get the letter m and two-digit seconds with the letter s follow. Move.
3h34
